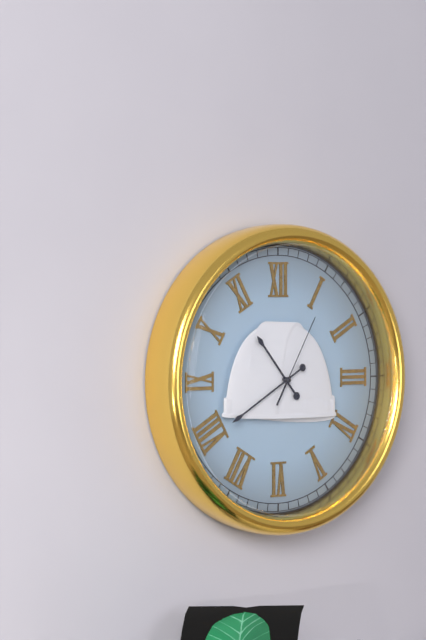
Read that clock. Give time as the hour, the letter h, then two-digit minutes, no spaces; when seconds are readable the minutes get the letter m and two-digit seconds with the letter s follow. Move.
10h40m05s
